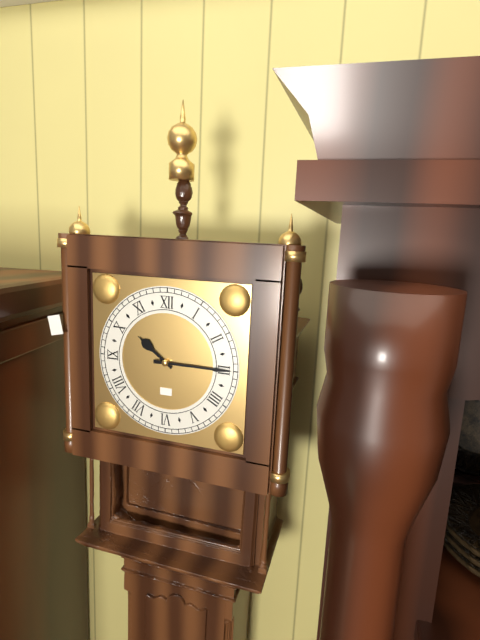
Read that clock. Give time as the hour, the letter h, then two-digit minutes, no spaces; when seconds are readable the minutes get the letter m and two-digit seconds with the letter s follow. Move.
10h15
